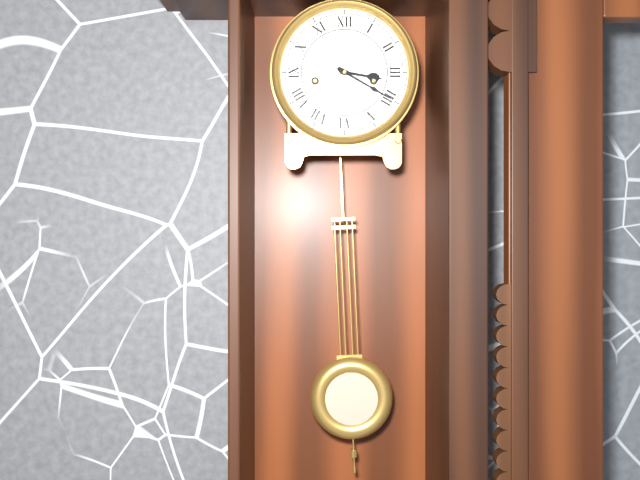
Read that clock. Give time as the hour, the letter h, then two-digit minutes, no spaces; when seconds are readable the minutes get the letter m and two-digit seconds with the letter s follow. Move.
3h20
